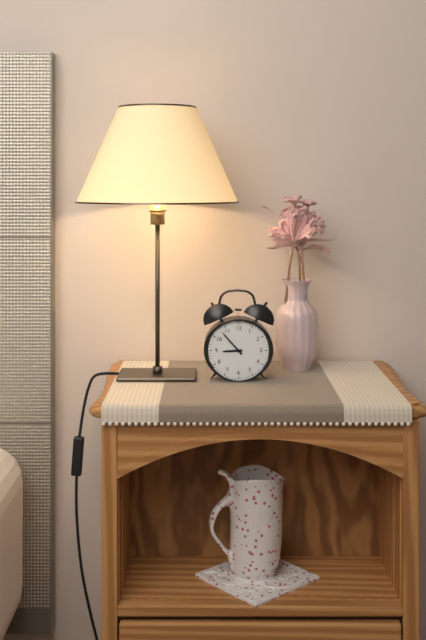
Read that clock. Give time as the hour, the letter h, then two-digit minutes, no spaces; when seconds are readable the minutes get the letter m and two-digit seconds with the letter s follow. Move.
8h53
